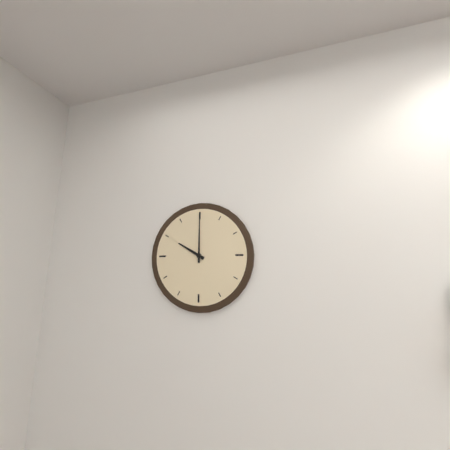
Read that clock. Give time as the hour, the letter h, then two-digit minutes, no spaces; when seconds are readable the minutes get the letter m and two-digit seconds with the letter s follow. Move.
10h00
